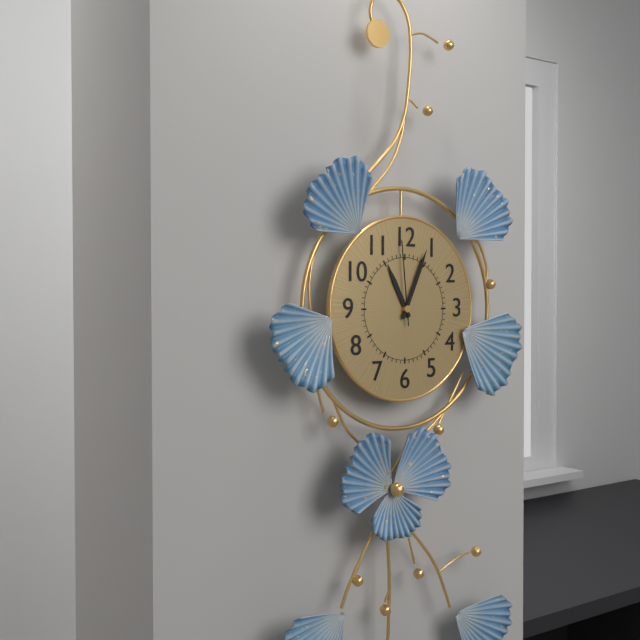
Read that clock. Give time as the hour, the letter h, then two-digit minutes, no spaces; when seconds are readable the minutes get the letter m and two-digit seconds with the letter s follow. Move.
11h04m59s
